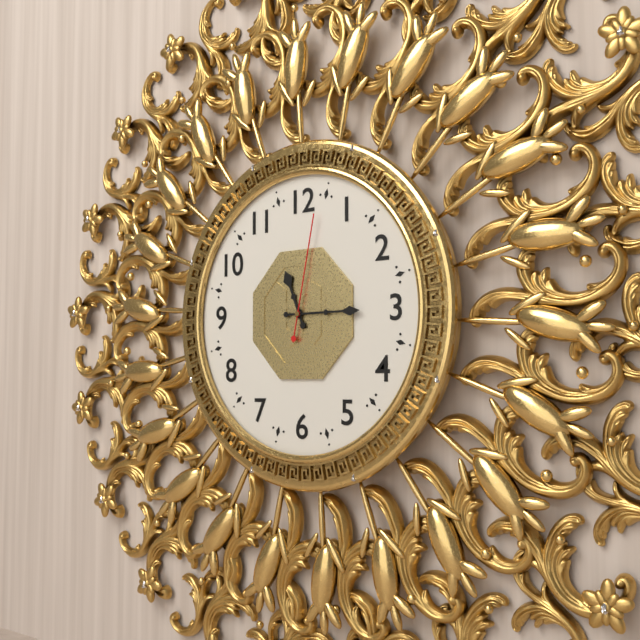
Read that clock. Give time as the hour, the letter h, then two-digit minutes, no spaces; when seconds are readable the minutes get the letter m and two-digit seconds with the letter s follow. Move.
11h15m02s
